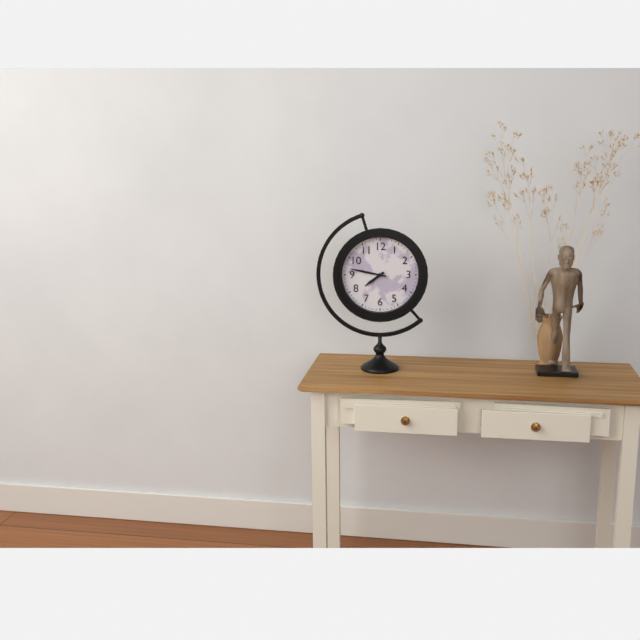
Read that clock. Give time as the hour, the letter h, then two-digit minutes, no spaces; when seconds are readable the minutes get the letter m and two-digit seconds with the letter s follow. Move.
7h47
